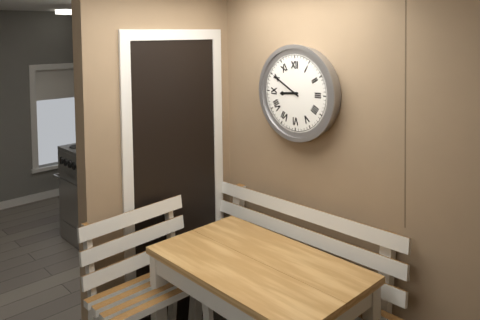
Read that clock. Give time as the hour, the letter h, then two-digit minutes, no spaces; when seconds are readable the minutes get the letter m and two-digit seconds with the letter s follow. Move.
8h50
